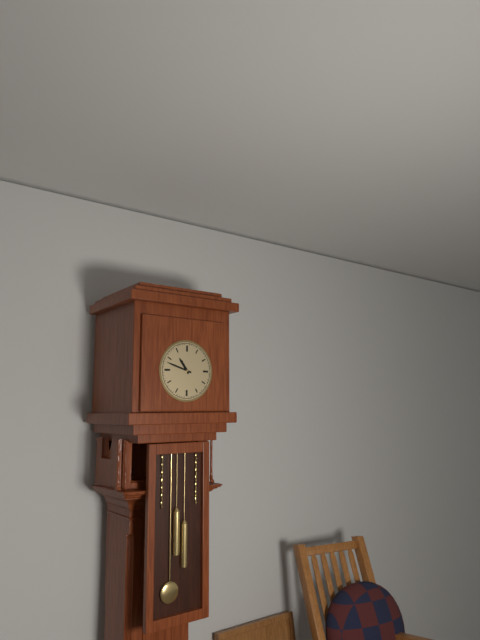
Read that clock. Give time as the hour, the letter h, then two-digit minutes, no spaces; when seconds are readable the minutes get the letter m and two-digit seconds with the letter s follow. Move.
10h48
